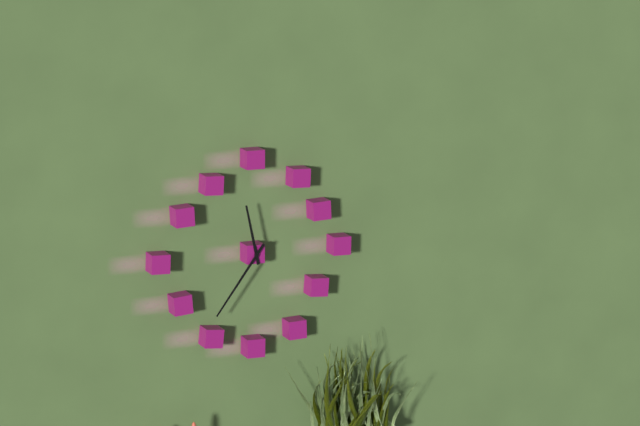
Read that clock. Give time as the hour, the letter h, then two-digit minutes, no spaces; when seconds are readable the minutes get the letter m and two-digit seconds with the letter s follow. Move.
11h36
